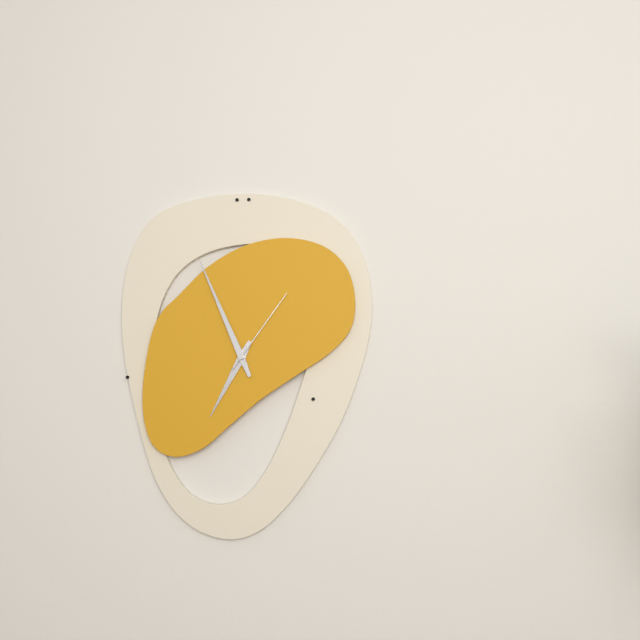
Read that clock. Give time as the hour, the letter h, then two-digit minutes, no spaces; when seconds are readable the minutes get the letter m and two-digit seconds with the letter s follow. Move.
6h56m06s
